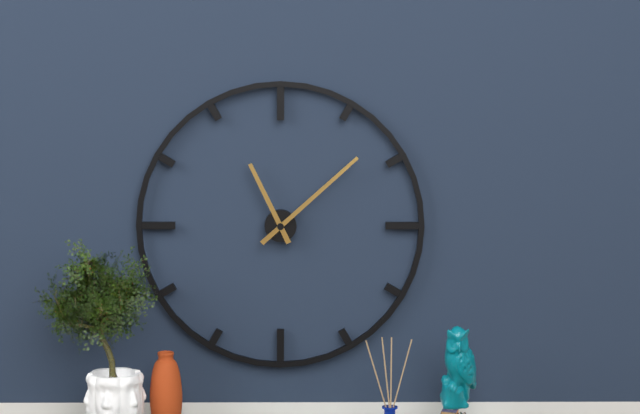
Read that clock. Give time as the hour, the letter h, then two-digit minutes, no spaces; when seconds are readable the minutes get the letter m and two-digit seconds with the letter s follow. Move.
11h08
